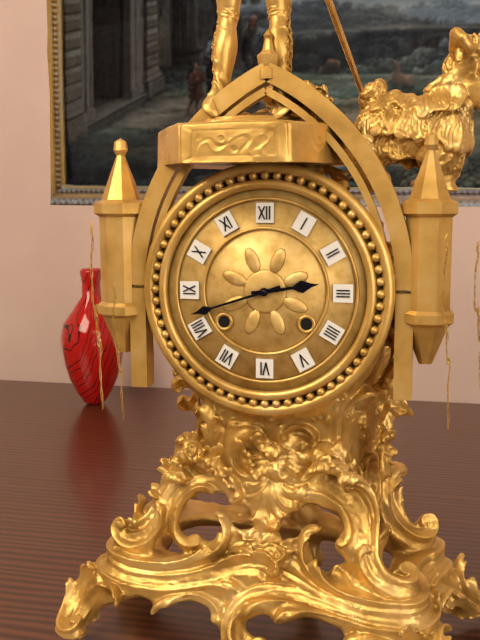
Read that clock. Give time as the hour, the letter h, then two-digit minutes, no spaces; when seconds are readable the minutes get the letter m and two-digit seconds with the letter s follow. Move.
2h42
